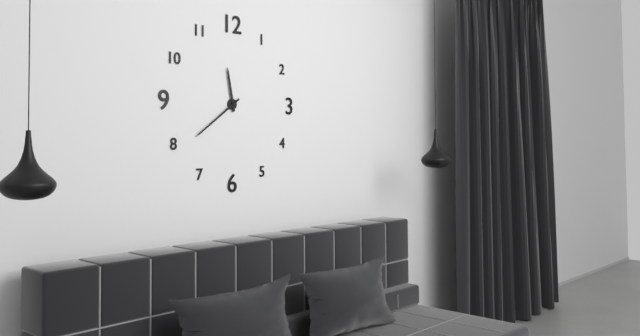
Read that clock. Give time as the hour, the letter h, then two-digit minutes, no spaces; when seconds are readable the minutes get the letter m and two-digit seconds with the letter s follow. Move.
11h39
